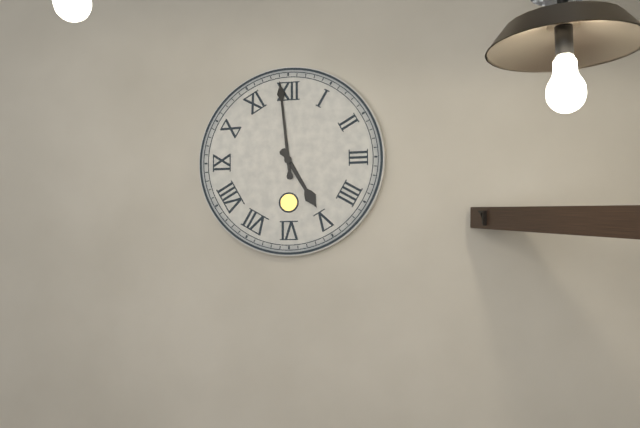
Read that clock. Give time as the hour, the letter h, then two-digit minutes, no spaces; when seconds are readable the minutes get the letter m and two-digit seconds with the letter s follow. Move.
4h59
